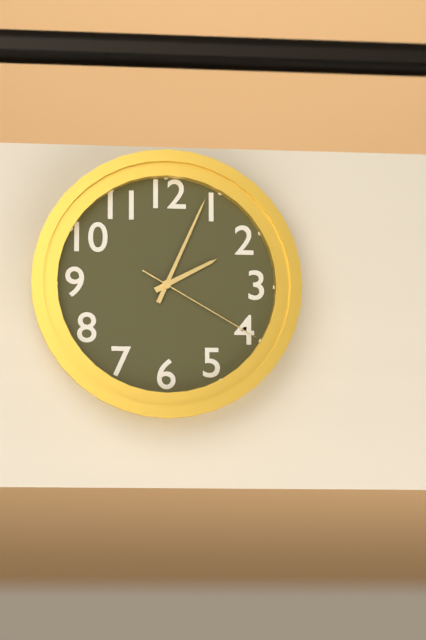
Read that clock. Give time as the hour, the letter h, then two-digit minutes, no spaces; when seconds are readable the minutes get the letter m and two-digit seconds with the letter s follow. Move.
2h04m20s
